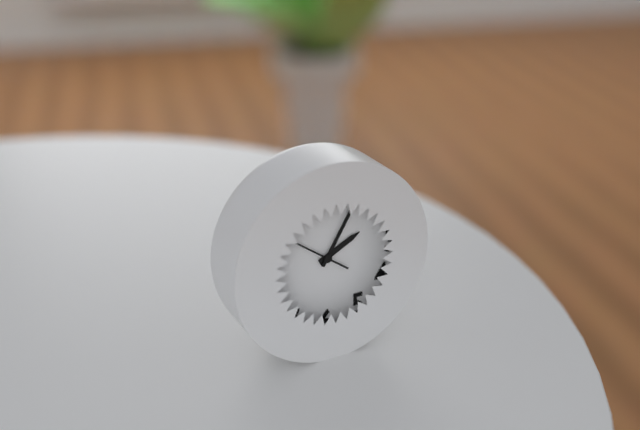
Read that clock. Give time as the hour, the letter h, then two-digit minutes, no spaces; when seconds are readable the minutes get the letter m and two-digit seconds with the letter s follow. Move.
2h05
